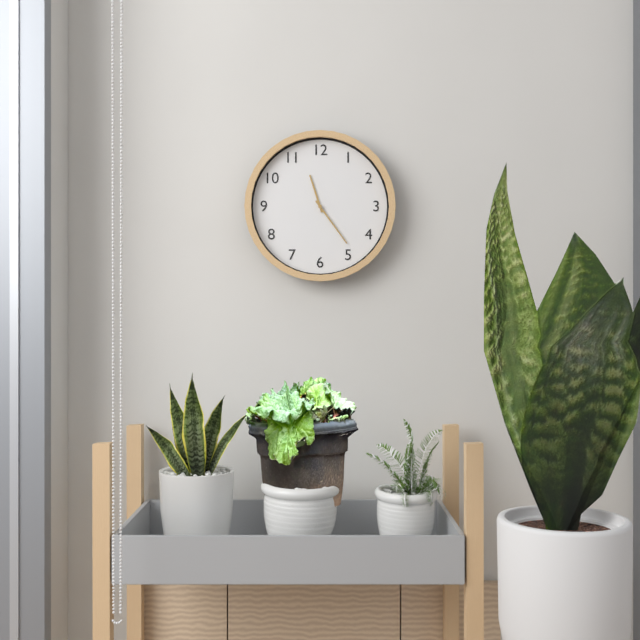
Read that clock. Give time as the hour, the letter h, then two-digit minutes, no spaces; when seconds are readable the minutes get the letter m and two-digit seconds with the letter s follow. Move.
11h24
